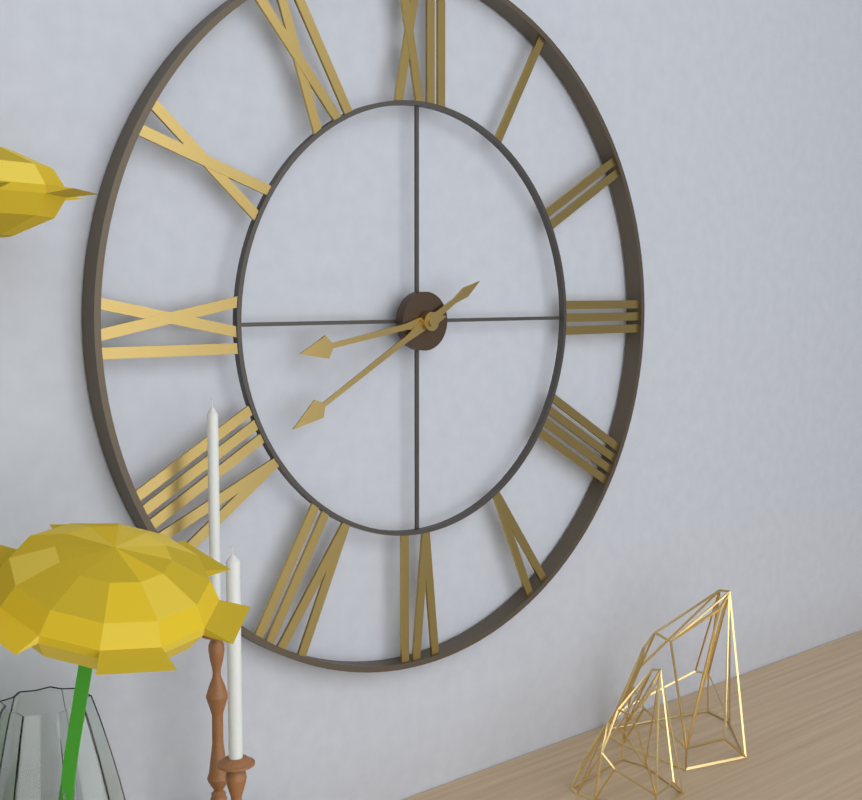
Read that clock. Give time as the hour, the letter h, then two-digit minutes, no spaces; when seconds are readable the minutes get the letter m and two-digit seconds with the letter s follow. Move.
8h40
